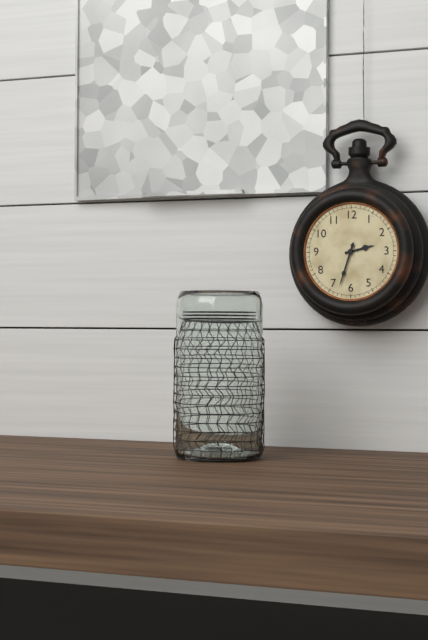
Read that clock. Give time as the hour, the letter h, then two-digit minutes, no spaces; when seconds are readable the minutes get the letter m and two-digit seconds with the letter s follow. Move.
2h33
